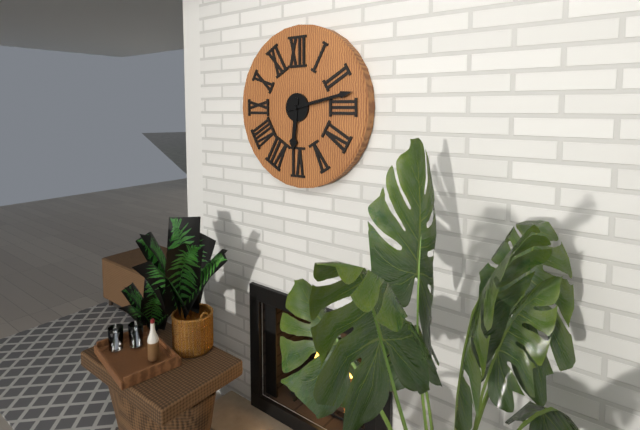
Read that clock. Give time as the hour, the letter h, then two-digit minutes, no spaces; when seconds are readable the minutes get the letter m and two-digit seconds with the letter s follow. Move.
6h13
